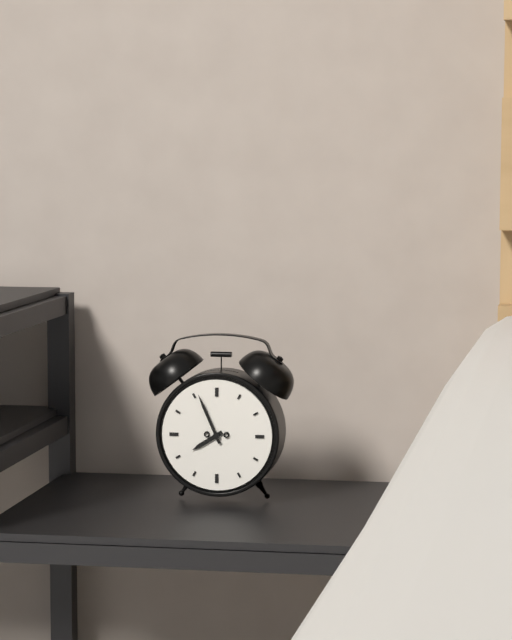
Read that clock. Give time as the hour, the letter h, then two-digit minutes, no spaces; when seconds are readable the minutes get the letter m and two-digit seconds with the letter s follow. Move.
7h56
